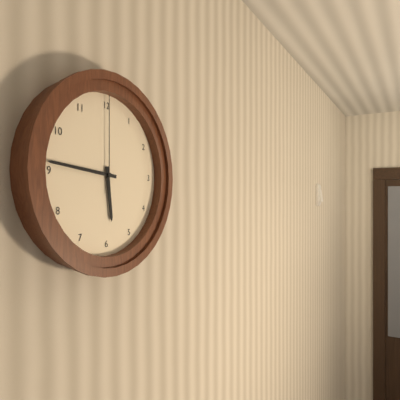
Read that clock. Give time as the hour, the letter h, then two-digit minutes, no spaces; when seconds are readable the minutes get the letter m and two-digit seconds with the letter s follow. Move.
5h46m00s
